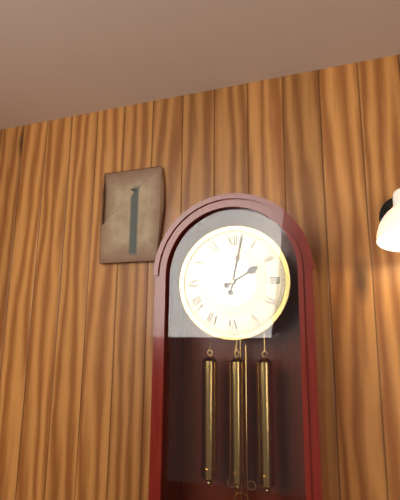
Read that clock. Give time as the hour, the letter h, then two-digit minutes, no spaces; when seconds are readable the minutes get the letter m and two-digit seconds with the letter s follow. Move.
2h02
